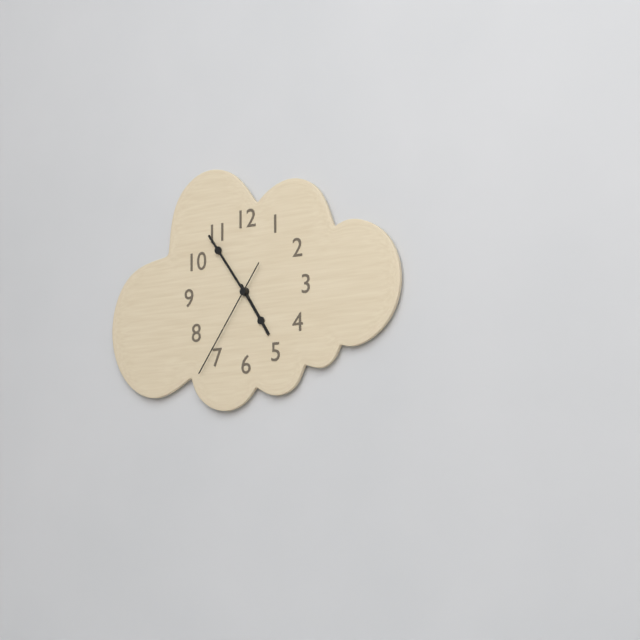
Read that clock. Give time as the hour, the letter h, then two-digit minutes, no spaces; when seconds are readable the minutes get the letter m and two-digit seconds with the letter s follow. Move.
4h54m36s
